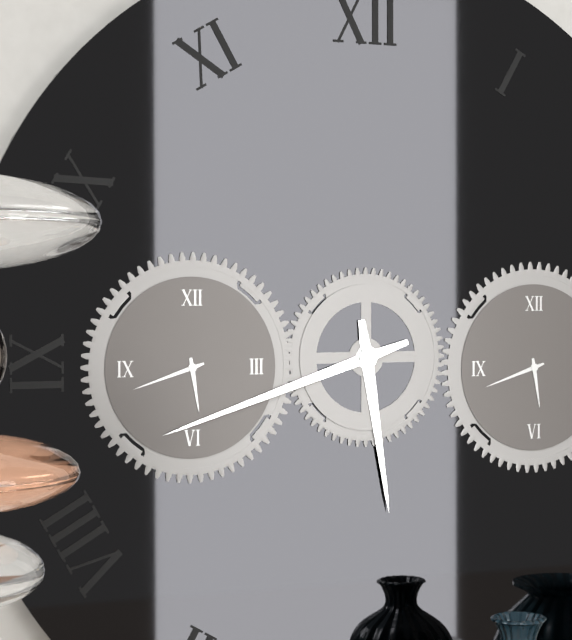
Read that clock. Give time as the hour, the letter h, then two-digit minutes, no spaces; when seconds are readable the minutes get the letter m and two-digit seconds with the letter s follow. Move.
5h42
